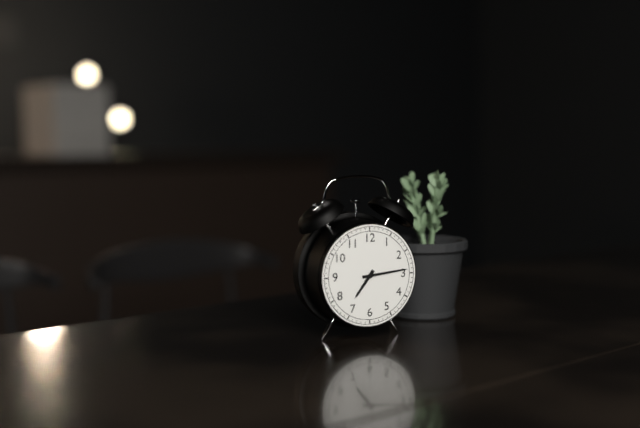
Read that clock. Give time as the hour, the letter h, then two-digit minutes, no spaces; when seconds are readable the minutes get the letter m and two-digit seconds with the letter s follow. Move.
7h14
